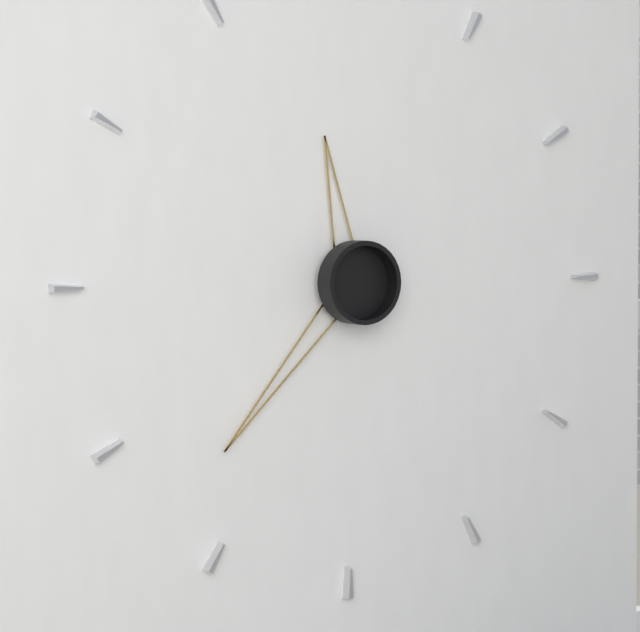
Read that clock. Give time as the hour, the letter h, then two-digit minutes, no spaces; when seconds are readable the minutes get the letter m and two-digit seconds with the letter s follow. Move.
11h37
